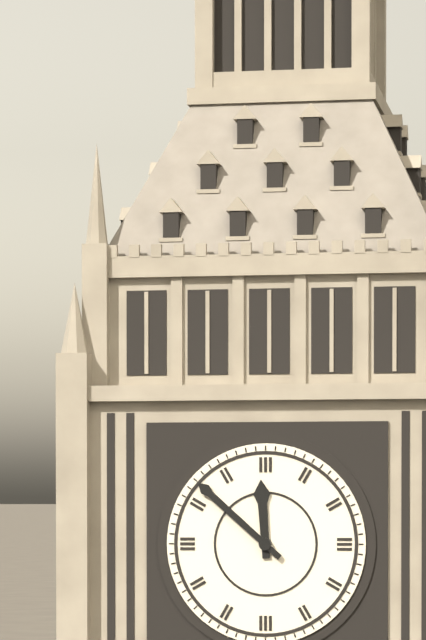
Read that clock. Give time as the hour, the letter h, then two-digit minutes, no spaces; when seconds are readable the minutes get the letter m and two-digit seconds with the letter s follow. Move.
11h52
